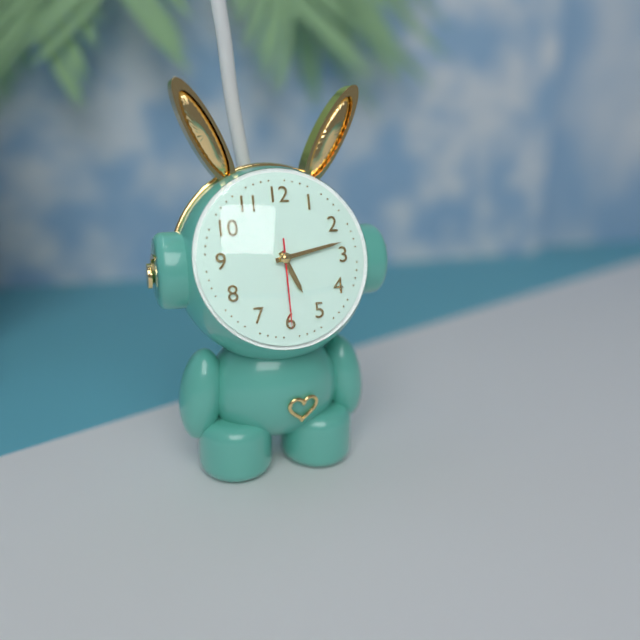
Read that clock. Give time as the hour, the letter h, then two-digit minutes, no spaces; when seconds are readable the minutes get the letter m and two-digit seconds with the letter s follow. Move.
5h13m30s
